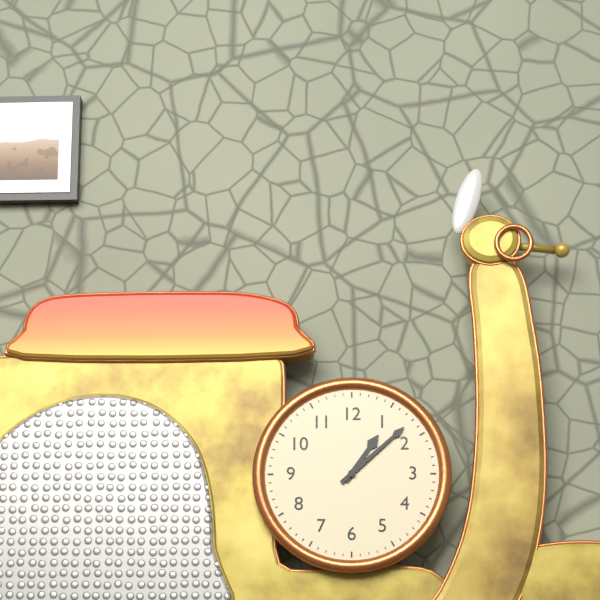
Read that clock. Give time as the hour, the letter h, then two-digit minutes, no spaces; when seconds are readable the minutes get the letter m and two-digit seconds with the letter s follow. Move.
1h08
